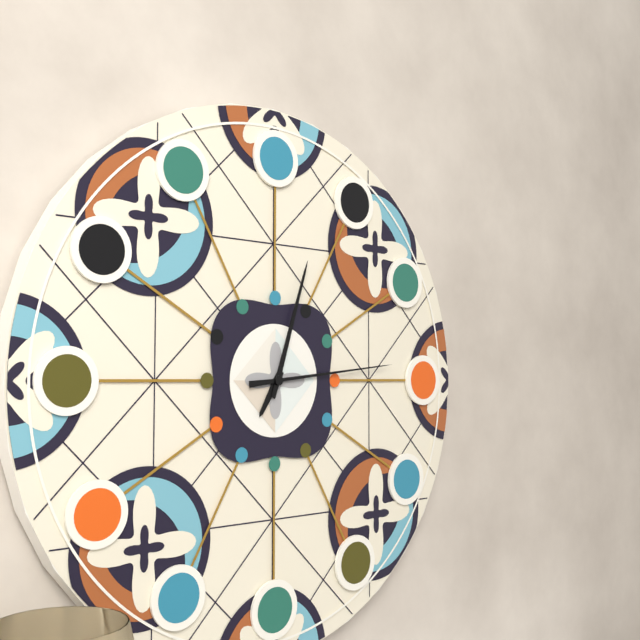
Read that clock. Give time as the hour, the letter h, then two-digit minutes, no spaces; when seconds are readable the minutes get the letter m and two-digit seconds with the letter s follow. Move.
7h03m14s
